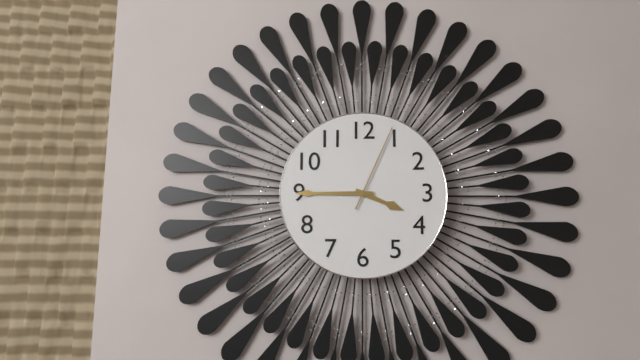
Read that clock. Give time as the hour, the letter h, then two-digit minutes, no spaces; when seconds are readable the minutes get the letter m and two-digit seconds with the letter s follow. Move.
3h45m04s
